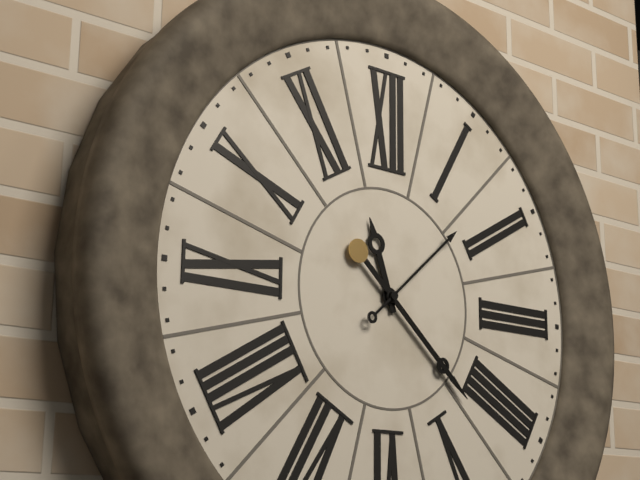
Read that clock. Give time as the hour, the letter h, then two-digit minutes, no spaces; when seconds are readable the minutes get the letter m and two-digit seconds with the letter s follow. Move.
11h22m08s
